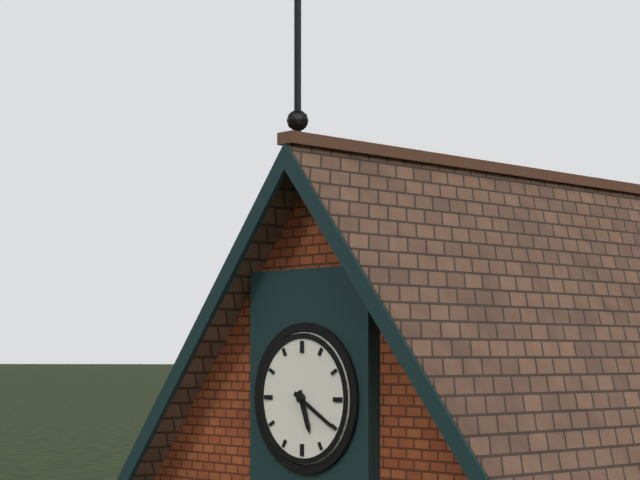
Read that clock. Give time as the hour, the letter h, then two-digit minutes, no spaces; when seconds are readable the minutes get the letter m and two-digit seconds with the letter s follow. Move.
5h20
